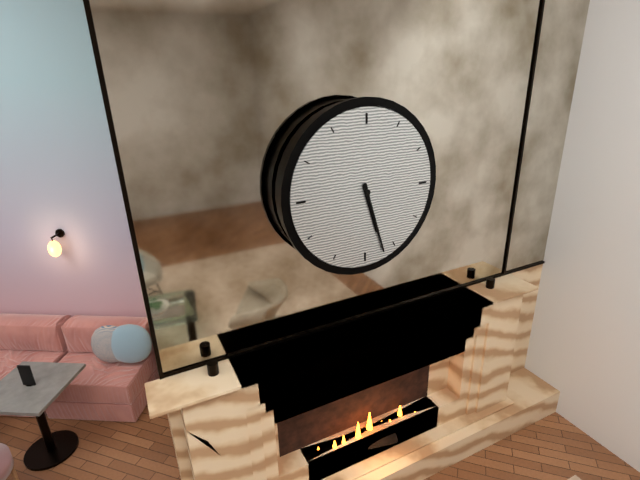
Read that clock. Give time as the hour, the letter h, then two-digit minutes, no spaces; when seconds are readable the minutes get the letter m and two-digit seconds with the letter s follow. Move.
5h27
